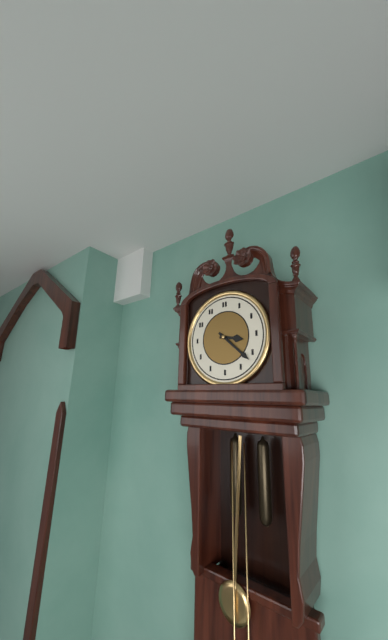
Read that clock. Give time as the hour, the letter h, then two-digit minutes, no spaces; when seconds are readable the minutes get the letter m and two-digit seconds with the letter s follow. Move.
3h22
